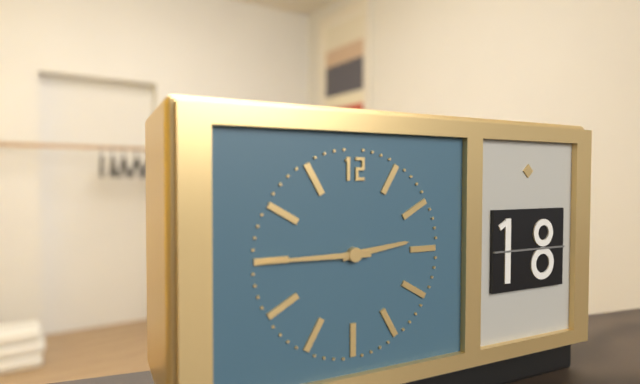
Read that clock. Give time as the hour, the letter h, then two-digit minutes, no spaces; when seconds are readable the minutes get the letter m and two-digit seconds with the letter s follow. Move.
2h45
